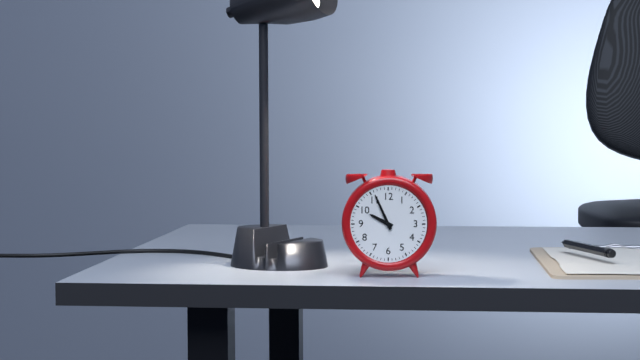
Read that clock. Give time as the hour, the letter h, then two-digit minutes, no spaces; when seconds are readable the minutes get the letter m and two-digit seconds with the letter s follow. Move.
9h56
